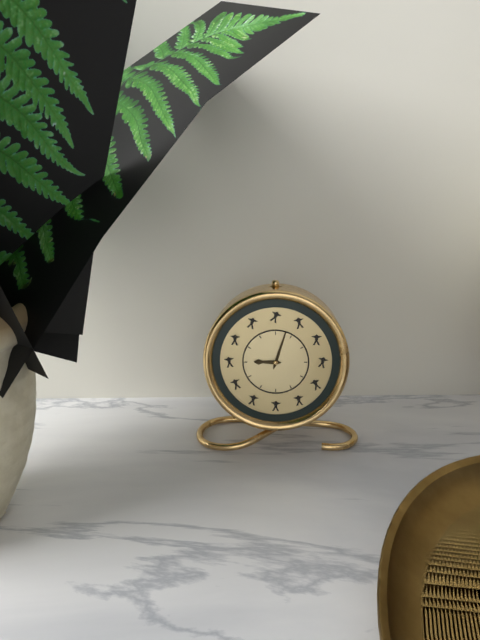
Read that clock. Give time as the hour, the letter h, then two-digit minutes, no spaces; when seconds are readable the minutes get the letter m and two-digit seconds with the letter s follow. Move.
9h03
